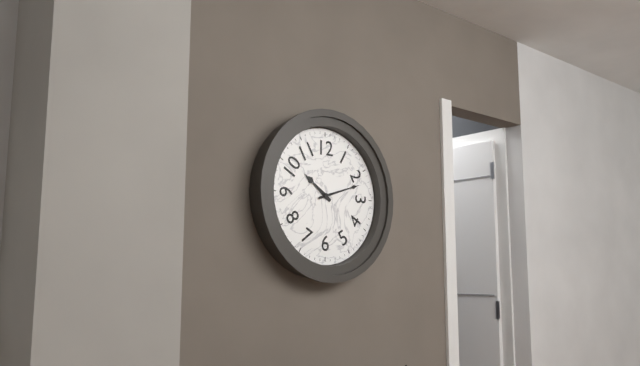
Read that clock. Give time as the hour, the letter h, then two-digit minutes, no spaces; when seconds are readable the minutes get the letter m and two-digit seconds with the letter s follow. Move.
10h12
